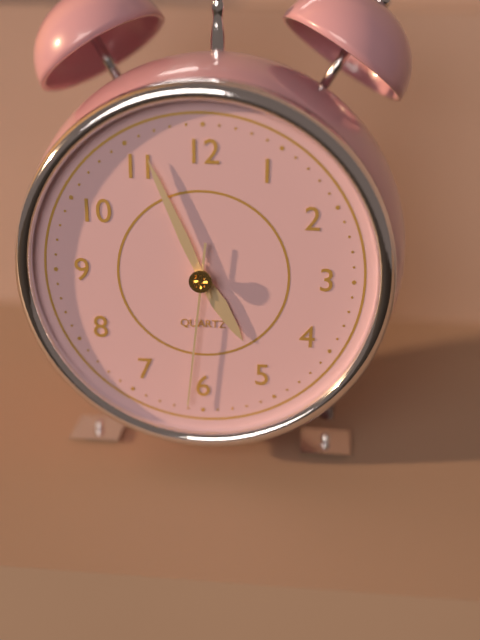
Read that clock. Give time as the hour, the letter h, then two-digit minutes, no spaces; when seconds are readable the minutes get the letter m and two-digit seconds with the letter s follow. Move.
4h56m31s
